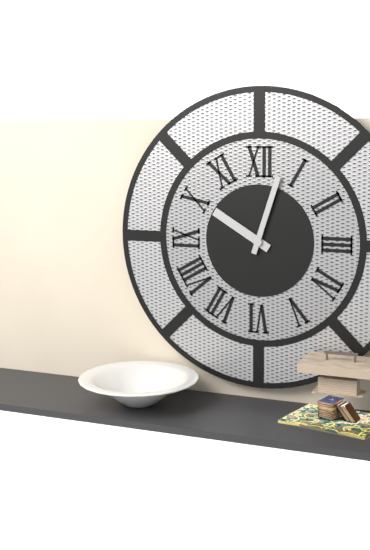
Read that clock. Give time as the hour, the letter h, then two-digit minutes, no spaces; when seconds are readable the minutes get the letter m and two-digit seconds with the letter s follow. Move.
10h03
